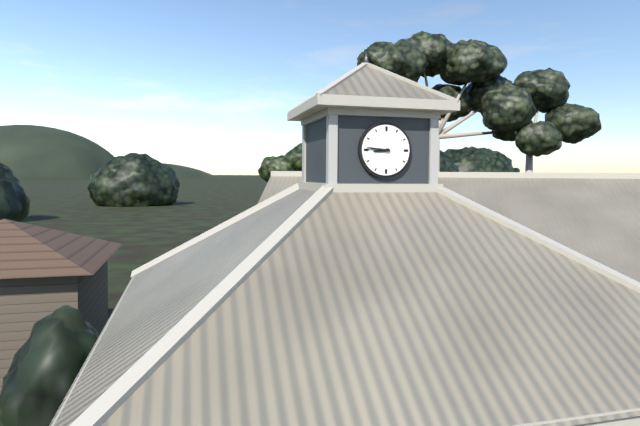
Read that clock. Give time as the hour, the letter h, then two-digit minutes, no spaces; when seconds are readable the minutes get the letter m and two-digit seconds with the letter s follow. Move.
8h46
